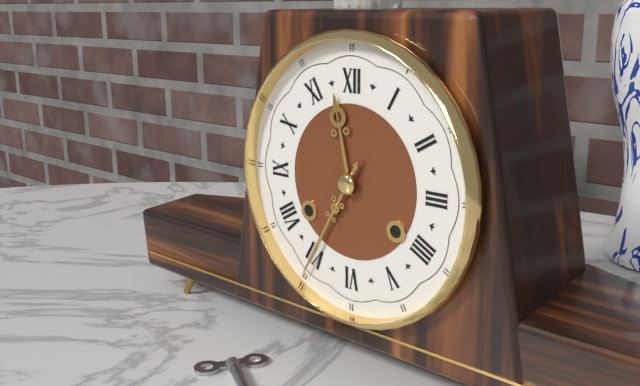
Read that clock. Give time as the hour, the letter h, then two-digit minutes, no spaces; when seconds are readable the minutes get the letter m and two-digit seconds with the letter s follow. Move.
11h35
